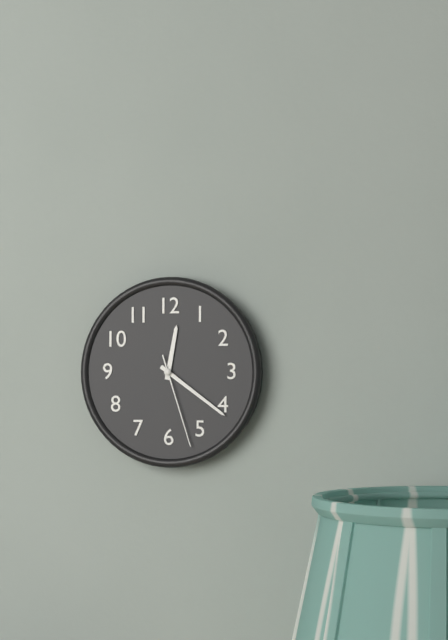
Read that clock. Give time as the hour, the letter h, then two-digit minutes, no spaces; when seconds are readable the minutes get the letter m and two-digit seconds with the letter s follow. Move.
12h21m27s
